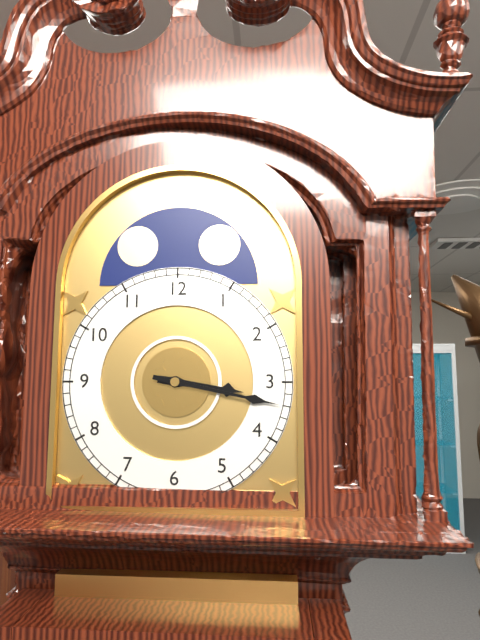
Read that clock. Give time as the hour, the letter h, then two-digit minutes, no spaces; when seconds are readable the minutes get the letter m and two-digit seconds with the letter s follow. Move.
3h17
